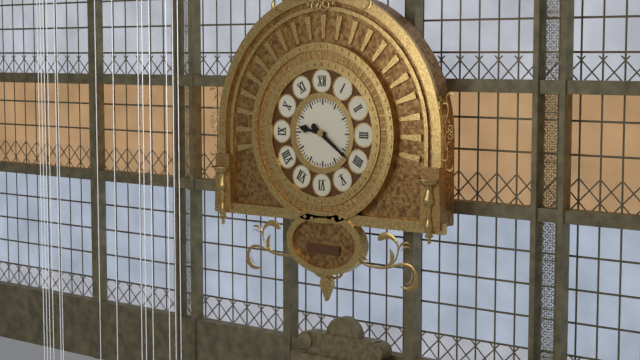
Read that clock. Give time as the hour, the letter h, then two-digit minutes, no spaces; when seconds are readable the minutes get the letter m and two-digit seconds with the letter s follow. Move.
9h21
